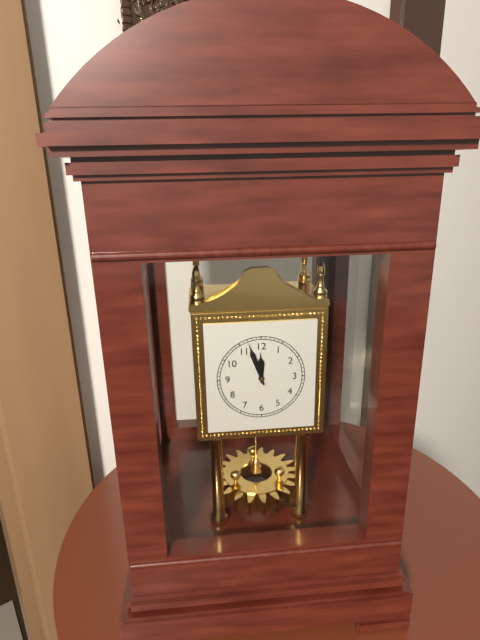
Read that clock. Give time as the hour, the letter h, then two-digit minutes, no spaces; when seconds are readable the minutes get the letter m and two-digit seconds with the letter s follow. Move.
11h57
